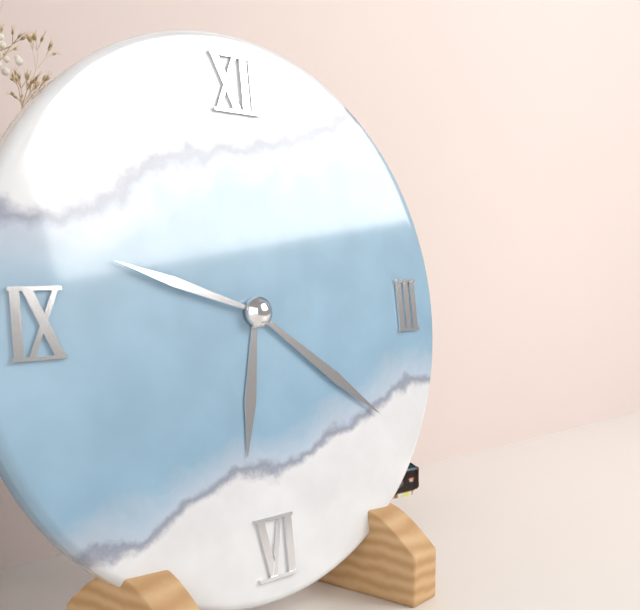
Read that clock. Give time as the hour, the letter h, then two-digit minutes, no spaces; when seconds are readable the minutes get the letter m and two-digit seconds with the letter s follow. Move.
6h21m48s
